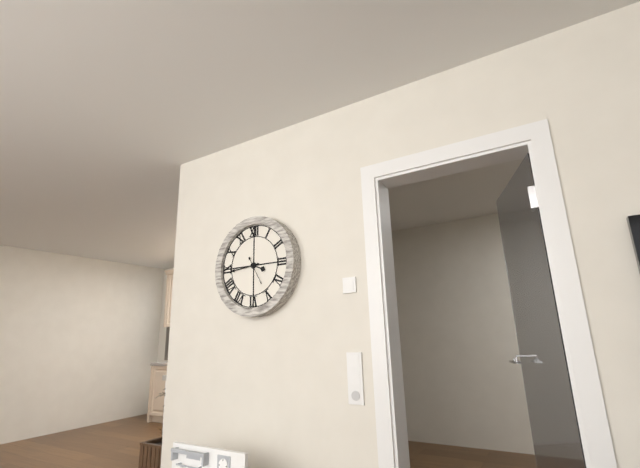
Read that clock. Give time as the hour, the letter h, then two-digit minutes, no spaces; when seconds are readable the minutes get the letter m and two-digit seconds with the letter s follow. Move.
3h44
